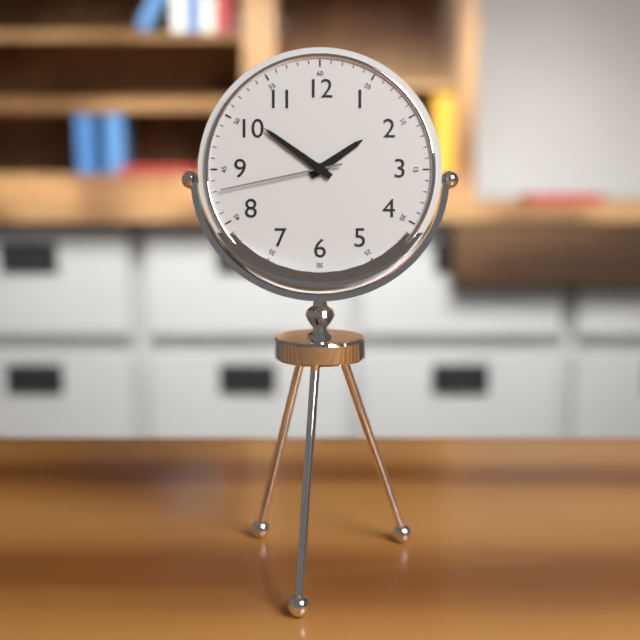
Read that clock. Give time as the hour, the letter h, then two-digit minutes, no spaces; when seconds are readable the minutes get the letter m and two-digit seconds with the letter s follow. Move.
1h51m43s
